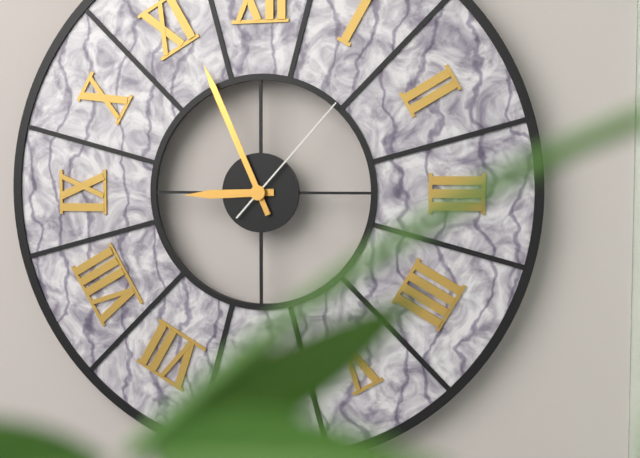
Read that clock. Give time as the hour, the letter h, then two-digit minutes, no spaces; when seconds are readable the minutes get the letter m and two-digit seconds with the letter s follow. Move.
8h56m07s
